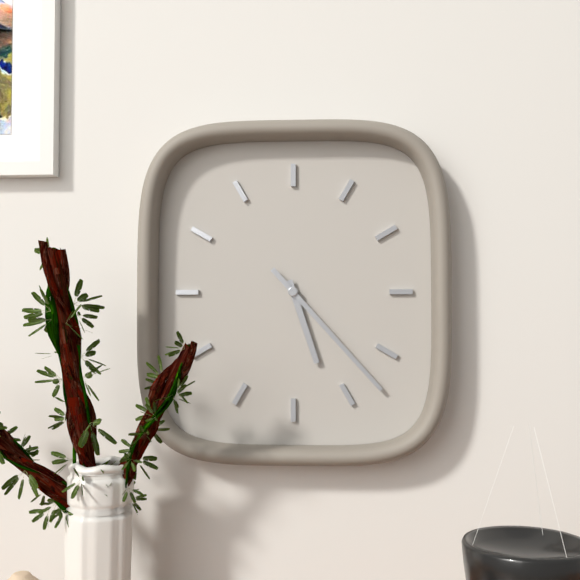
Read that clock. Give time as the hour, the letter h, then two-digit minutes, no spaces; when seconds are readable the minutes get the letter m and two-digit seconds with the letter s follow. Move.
5h23
